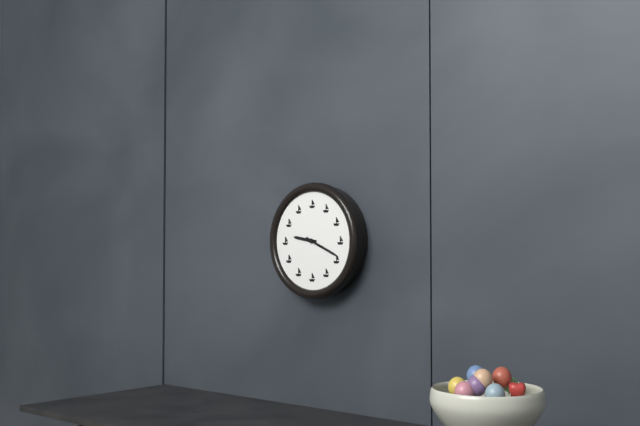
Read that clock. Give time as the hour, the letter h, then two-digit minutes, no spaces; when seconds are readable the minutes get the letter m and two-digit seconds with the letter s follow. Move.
9h19
